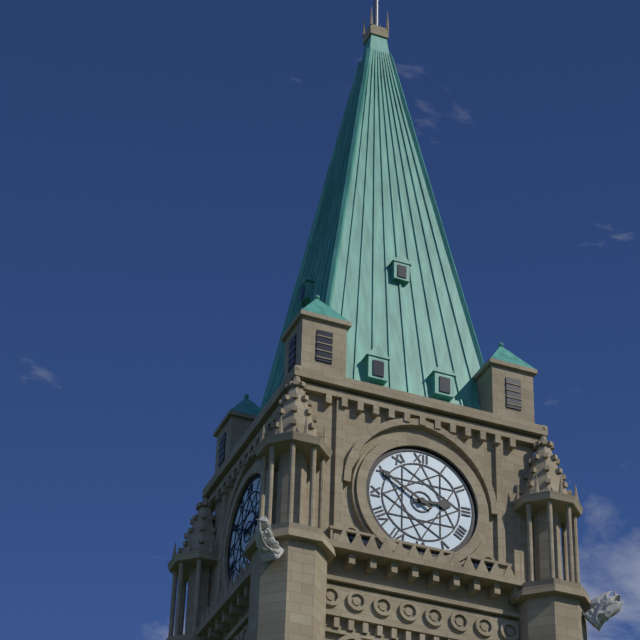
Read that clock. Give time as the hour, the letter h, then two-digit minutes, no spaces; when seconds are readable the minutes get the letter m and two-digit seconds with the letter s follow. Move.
2h50
